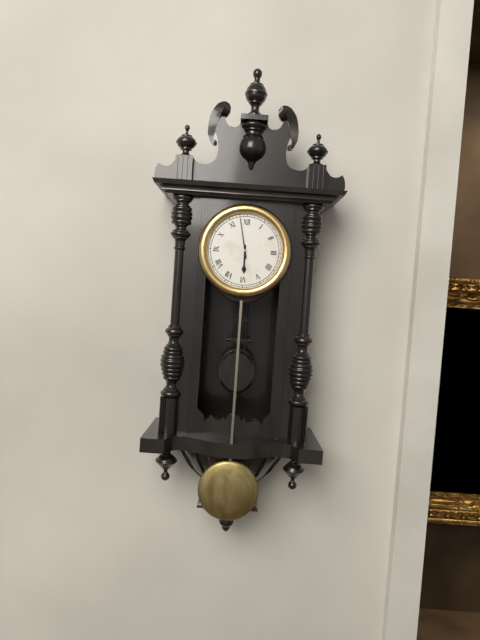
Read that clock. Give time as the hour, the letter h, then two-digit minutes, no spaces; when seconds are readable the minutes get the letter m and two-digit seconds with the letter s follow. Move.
5h58
